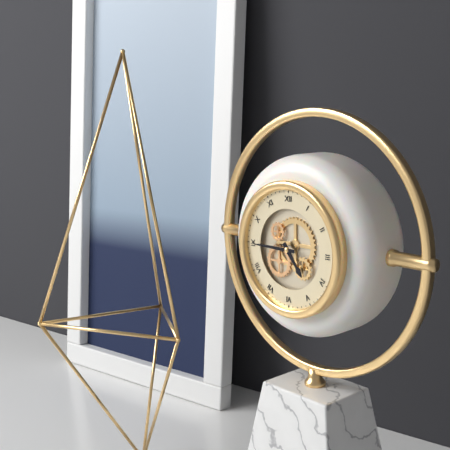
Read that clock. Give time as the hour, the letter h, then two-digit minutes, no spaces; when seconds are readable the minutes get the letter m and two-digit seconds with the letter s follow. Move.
4h45
